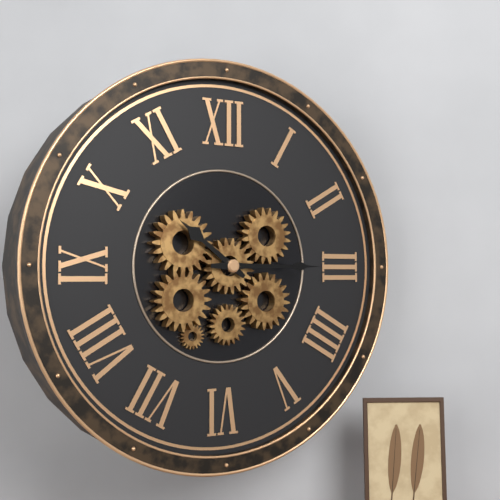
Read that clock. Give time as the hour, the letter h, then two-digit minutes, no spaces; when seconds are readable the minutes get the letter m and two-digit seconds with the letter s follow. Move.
10h15
